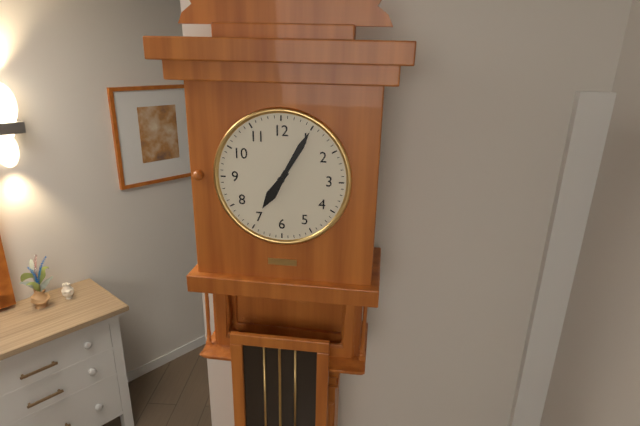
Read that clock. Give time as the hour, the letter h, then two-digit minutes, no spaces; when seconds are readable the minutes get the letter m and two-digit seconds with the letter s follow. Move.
7h05
